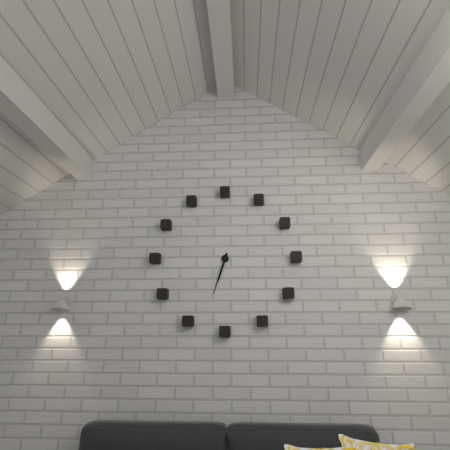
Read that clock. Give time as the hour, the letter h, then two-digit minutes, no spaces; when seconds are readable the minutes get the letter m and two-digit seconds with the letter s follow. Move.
6h33
